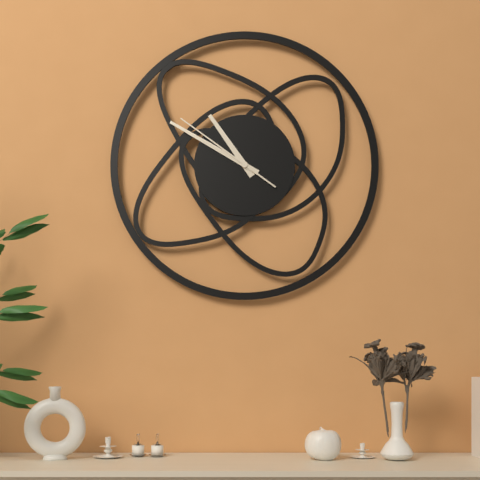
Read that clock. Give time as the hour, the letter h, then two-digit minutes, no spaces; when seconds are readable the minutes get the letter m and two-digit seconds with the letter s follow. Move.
10h50m51s
